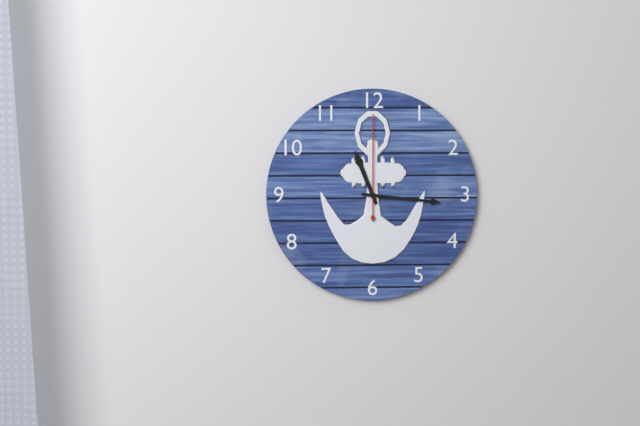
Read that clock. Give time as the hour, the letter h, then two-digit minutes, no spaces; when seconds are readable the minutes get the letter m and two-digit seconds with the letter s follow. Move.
11h16m00s
